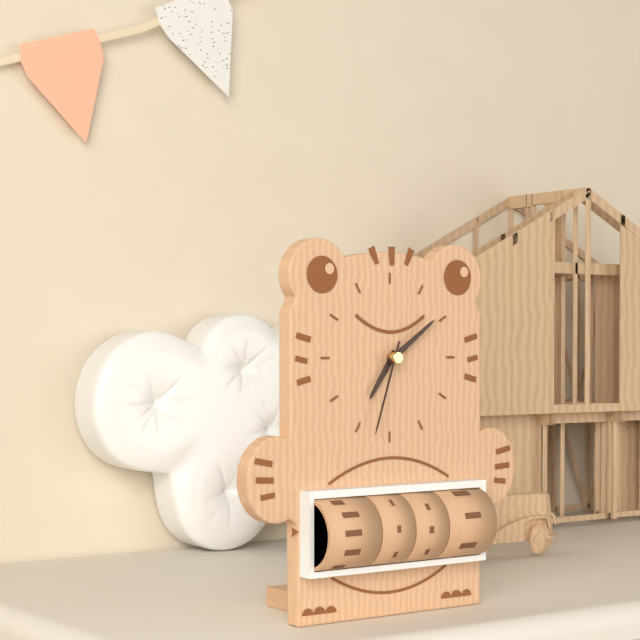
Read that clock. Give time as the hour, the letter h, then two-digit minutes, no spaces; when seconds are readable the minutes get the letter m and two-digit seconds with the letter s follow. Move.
7h09m33s
